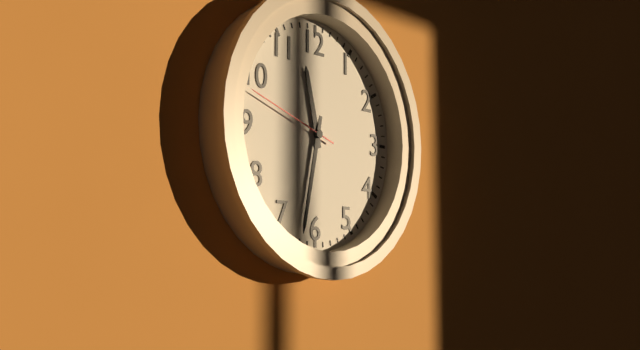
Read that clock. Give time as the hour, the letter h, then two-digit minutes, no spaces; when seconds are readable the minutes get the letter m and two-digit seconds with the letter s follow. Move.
11h32m48s
